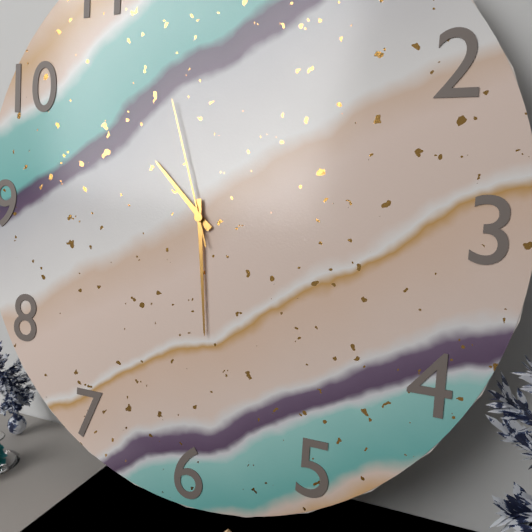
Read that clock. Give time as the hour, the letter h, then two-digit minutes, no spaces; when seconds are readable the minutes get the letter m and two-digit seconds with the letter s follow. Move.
10h29m57s
